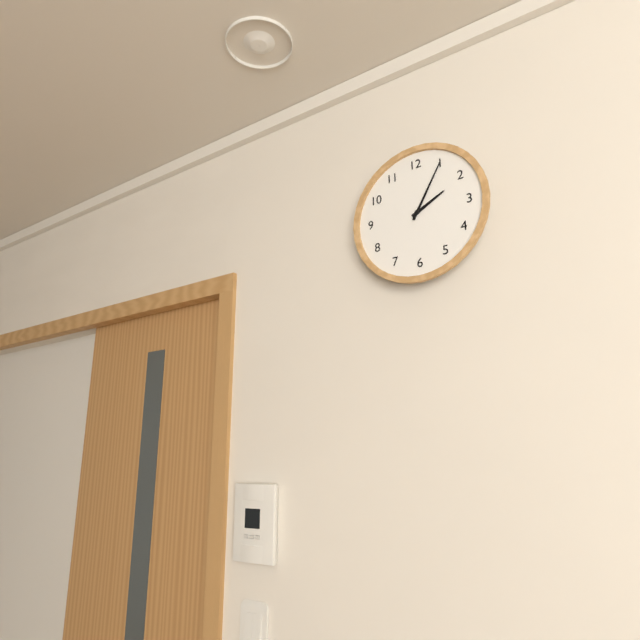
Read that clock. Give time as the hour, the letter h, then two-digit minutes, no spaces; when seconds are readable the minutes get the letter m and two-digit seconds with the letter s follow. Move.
2h05
